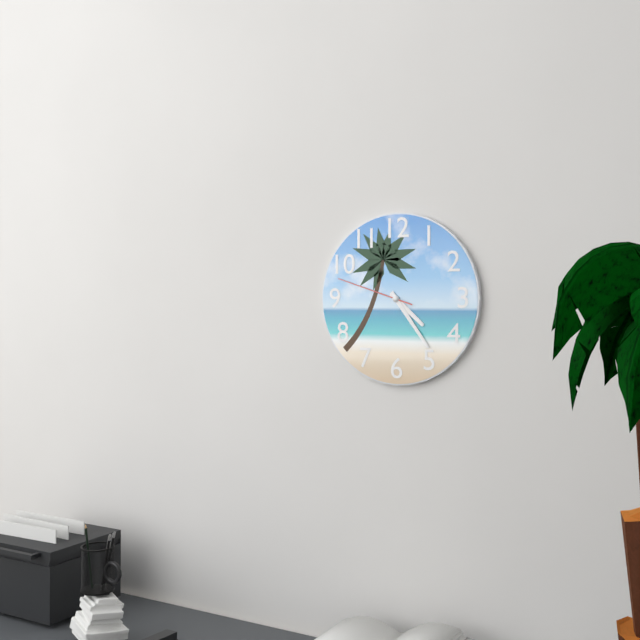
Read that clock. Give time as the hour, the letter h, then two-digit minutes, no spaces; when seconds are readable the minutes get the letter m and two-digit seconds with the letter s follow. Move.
4h24m48s
